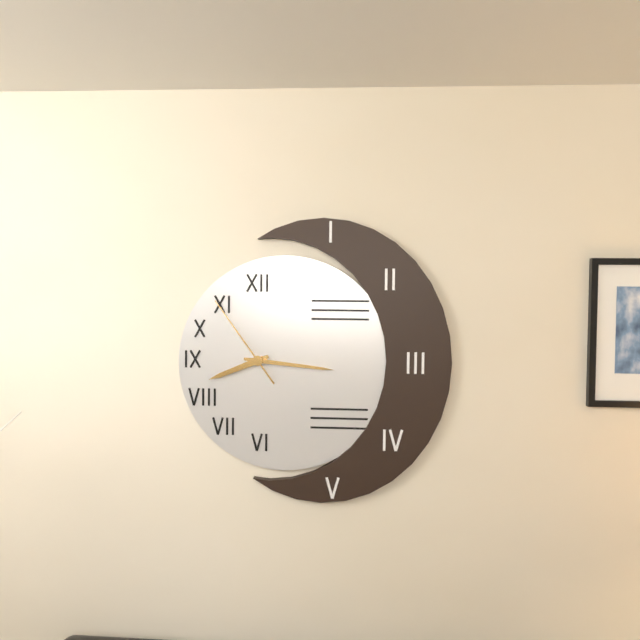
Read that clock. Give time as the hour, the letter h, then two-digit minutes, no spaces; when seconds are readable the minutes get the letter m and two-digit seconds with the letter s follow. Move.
8h16m54s
